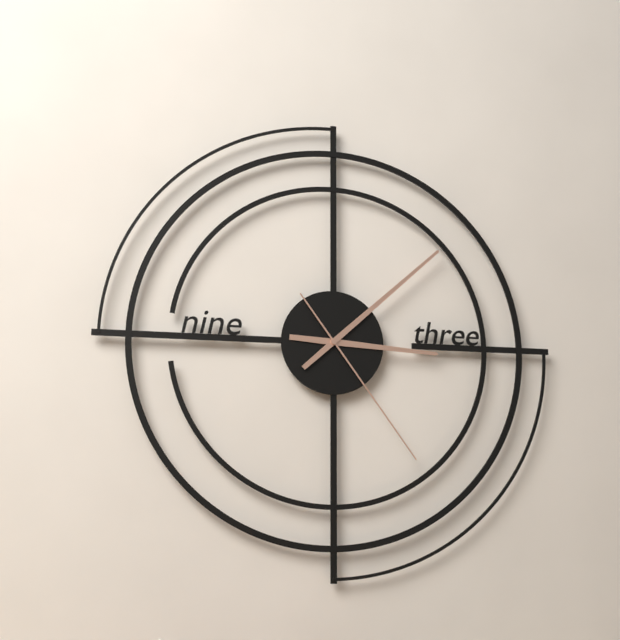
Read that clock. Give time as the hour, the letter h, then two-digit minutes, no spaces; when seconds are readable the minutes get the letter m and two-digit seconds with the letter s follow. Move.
3h08m24s
